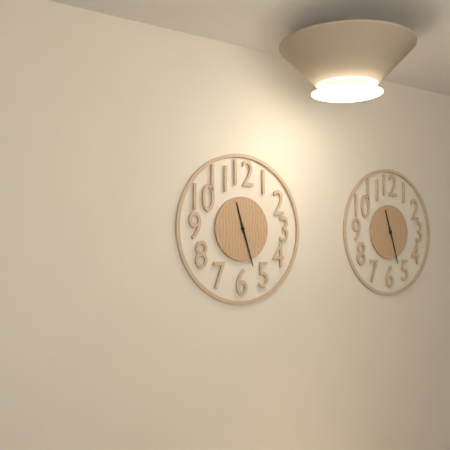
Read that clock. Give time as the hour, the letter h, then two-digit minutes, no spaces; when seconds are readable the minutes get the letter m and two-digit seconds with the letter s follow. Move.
11h27
